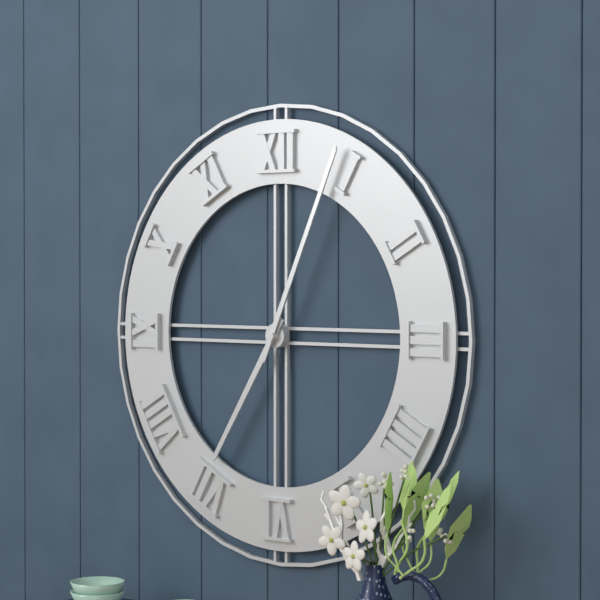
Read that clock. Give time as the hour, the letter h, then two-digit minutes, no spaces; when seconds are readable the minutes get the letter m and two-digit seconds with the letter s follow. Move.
7h04
